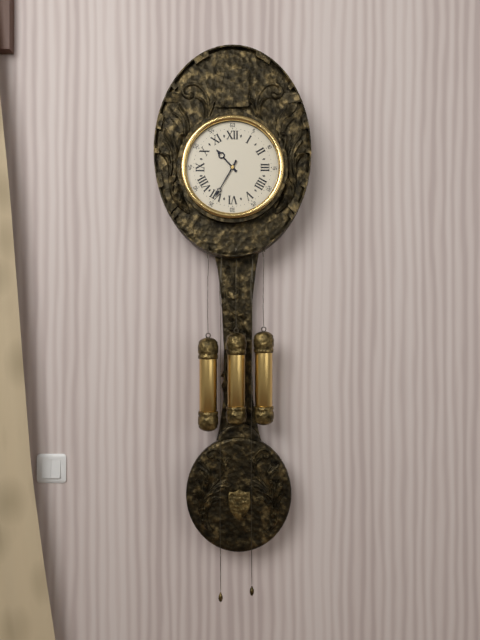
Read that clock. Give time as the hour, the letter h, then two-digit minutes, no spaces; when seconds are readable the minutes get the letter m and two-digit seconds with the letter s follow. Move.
10h35
